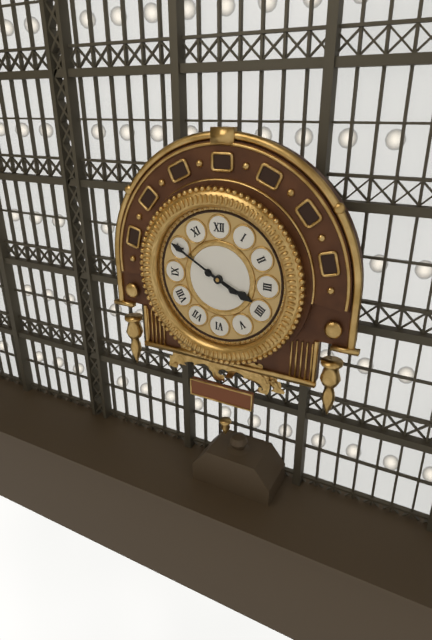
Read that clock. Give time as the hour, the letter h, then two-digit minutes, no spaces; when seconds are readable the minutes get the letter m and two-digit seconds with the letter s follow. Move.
3h50
